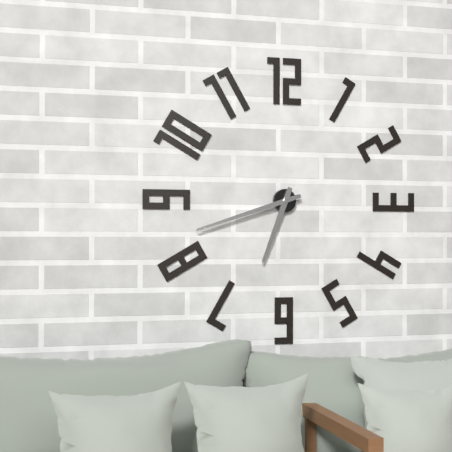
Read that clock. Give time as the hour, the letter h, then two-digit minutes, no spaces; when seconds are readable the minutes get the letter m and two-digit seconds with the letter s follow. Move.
6h42
